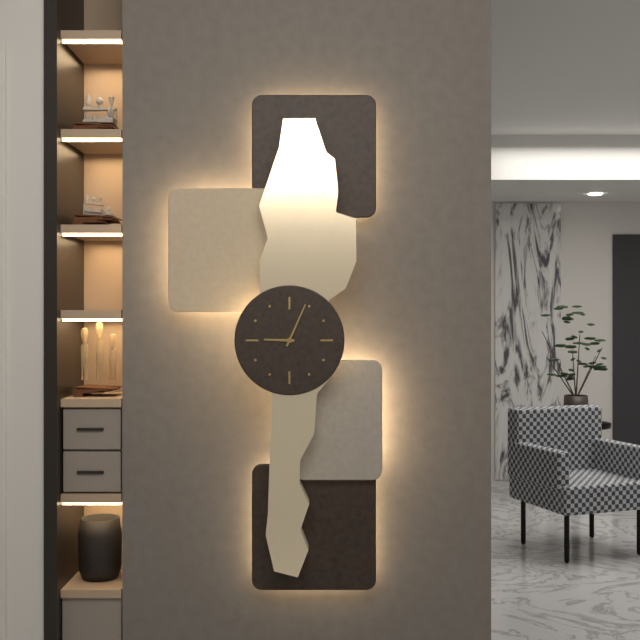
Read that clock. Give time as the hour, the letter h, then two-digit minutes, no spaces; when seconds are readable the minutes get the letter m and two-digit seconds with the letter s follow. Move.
9h04
